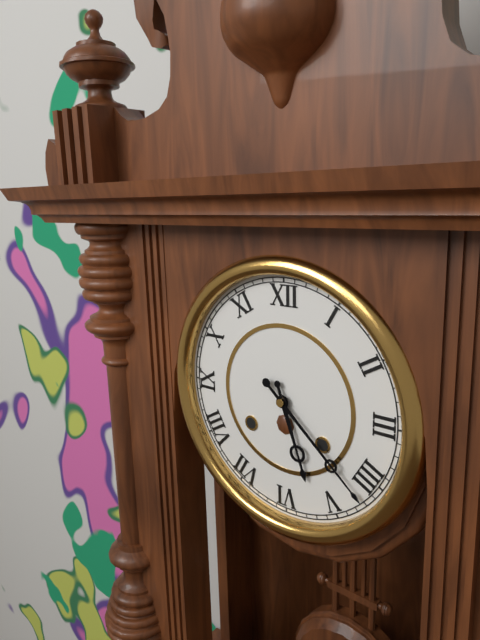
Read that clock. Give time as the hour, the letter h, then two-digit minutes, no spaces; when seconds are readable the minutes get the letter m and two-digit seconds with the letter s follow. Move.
5h22
